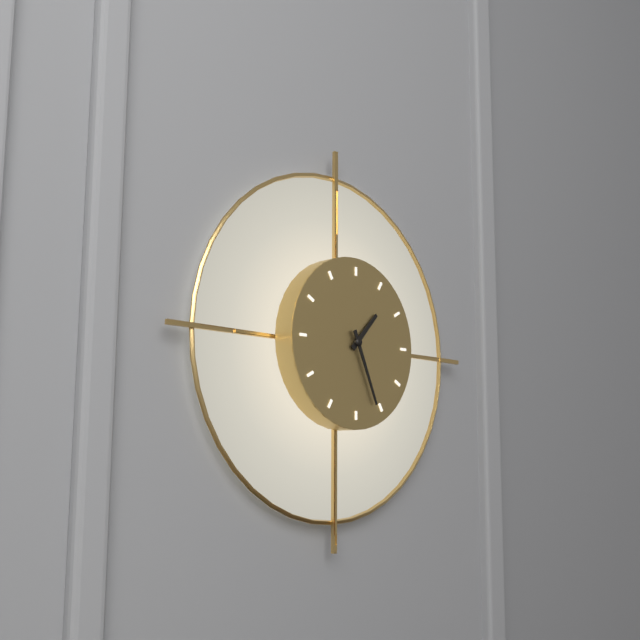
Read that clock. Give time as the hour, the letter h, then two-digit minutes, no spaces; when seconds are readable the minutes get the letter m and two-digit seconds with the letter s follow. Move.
1h26
